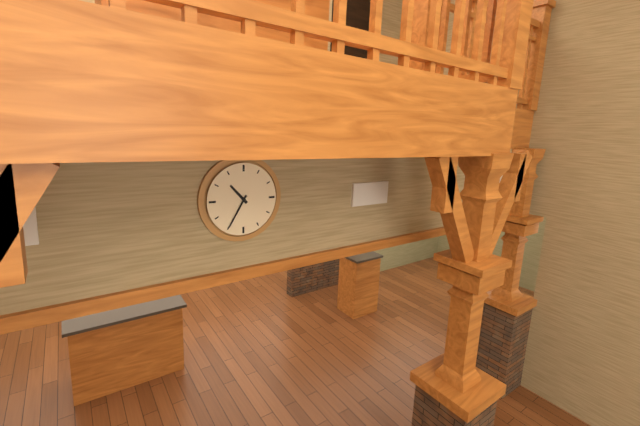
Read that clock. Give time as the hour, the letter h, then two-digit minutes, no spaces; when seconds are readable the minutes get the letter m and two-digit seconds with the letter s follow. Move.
10h35
